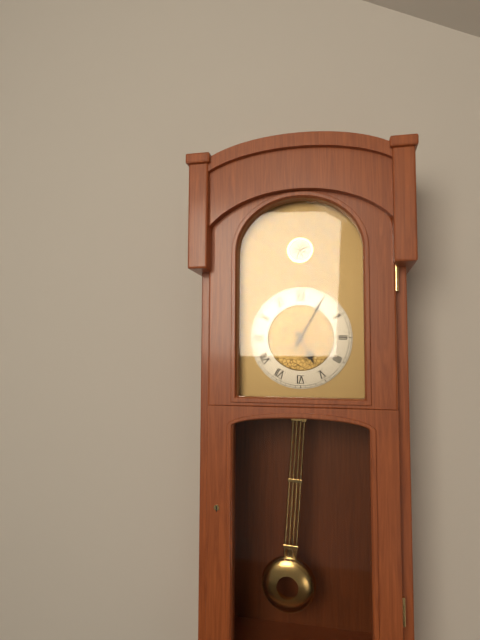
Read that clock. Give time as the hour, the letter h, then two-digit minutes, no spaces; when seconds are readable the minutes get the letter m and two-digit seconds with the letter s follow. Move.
5h05
